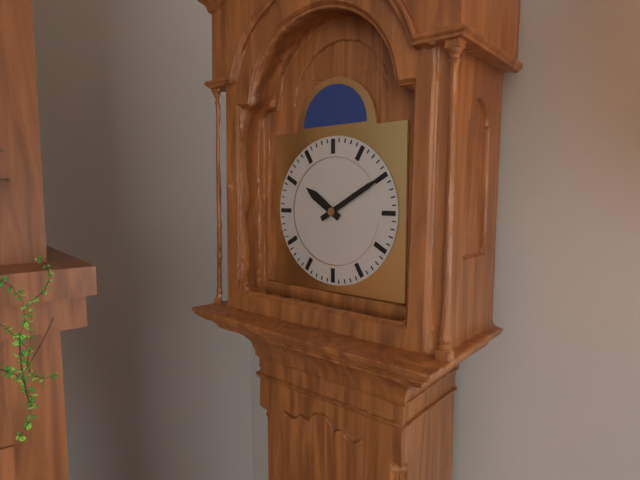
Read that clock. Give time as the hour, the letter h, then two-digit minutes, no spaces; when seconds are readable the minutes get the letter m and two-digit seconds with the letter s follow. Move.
10h10
